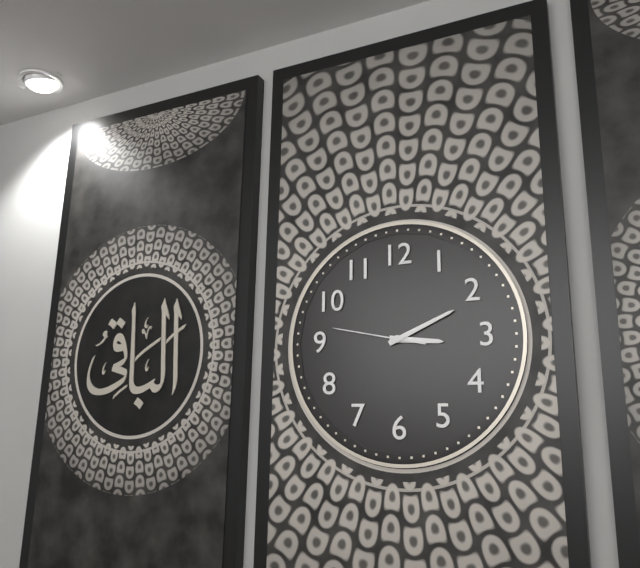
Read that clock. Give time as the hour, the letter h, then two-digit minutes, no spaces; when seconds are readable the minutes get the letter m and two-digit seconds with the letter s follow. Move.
3h11m47s
